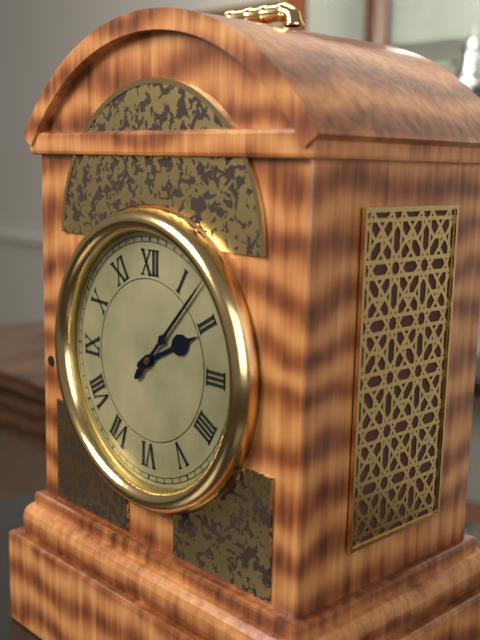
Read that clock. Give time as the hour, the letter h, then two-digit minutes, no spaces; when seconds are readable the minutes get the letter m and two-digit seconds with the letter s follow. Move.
2h07
